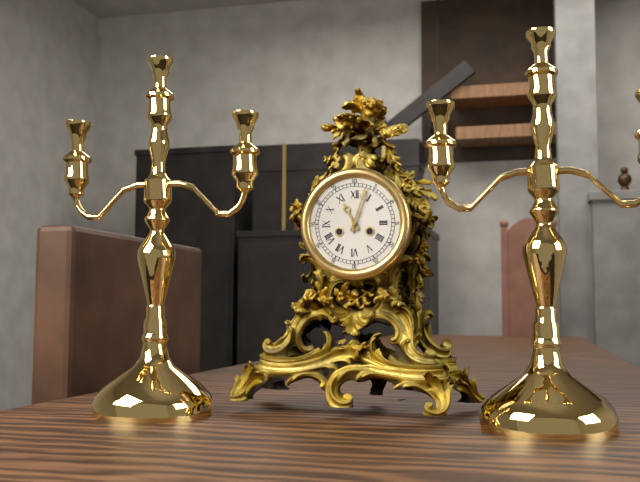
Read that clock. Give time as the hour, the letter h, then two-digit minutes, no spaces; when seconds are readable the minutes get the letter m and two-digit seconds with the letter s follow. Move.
11h03
